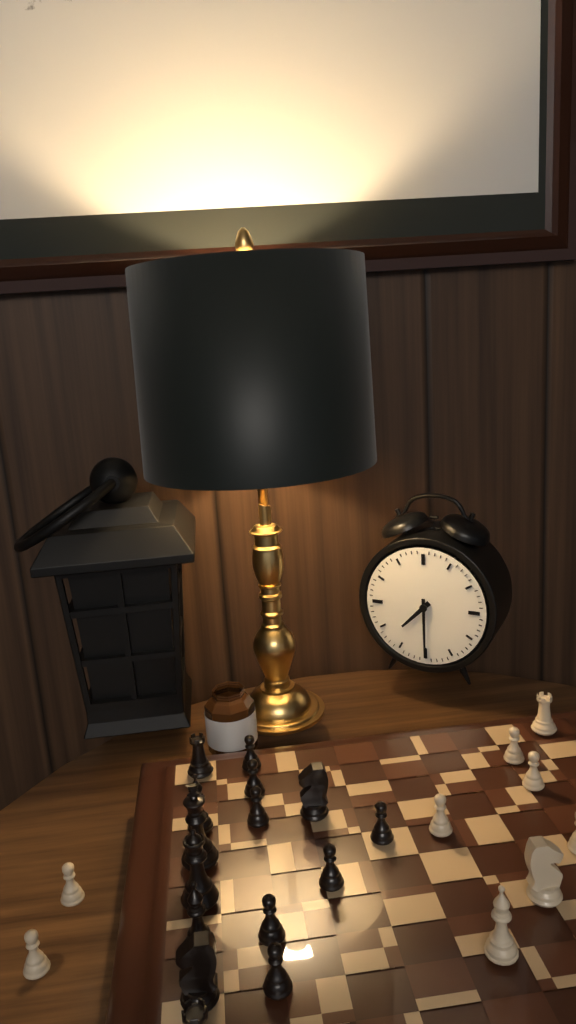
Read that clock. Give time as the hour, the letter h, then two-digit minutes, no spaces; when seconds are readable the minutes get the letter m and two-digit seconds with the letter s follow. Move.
7h30
